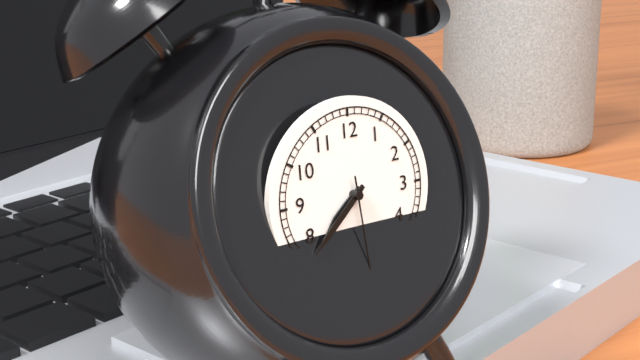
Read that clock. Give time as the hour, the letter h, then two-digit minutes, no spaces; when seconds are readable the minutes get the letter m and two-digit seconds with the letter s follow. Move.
7h38m29s
